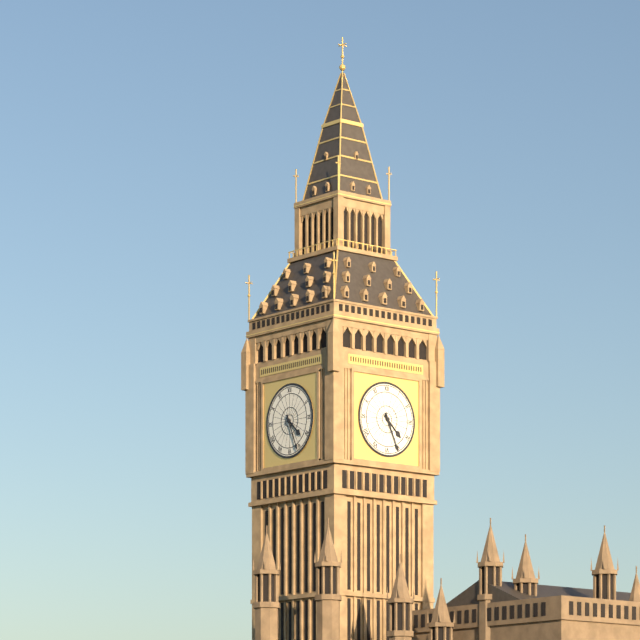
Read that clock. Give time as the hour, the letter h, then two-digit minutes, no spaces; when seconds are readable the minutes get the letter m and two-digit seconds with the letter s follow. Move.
4h26
